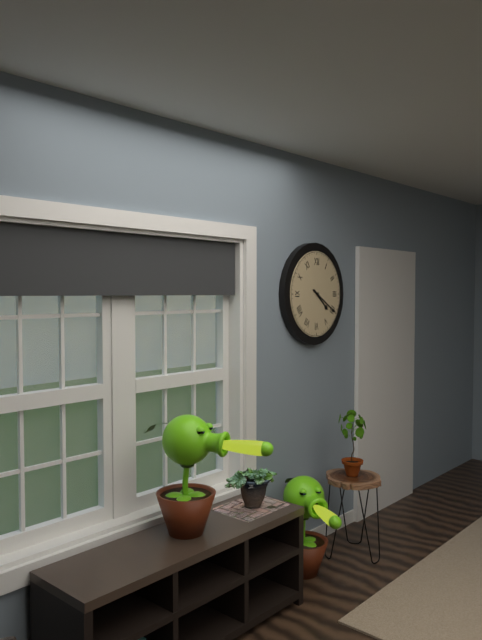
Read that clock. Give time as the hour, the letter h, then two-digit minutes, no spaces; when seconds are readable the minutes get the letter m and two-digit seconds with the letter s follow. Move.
4h20
